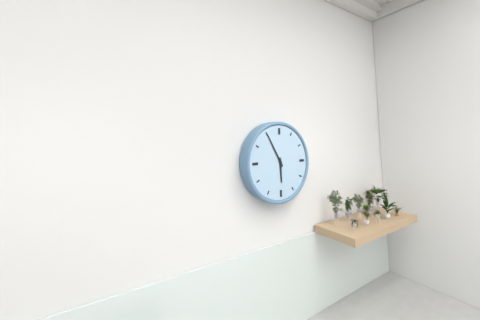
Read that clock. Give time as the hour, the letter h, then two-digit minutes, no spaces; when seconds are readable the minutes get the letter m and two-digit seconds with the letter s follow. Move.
5h55
